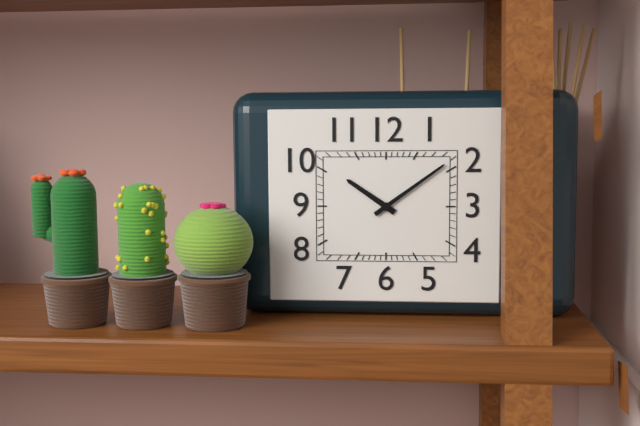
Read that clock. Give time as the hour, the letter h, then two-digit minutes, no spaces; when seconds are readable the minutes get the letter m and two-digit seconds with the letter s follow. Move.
10h09
